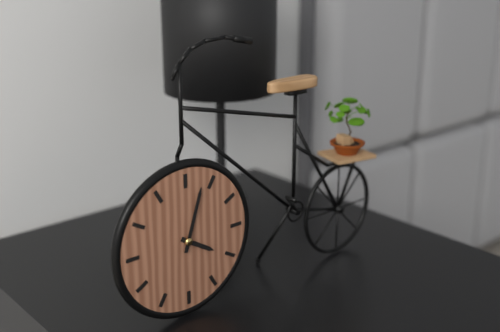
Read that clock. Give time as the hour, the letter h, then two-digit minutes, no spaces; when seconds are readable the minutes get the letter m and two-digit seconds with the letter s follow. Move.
4h03
